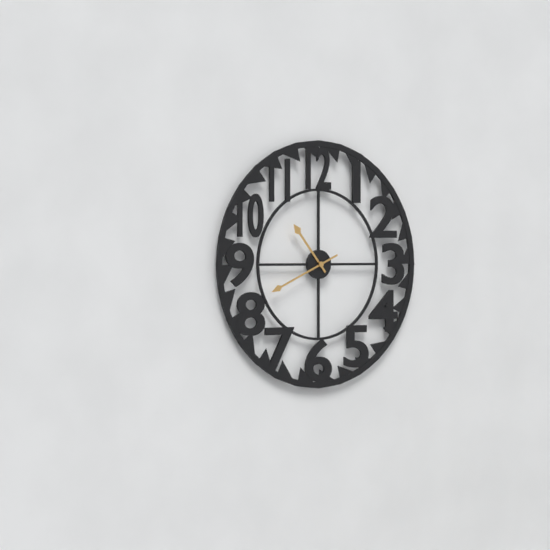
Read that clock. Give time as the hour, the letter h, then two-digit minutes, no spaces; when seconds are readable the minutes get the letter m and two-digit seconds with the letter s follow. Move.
10h41
